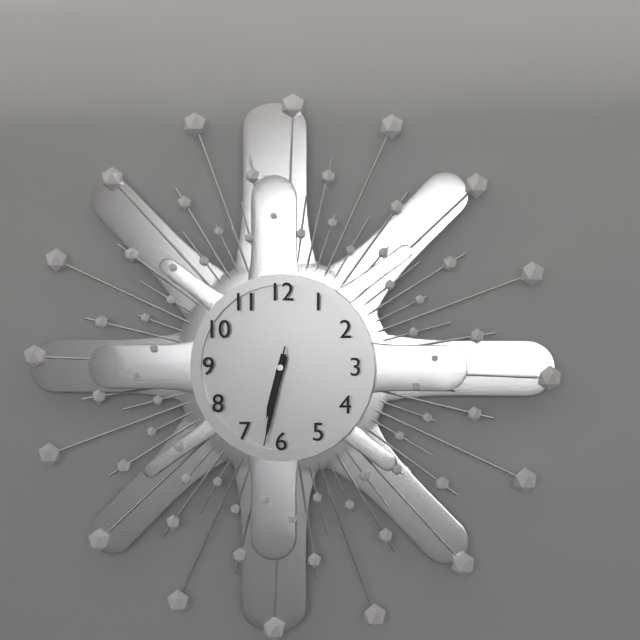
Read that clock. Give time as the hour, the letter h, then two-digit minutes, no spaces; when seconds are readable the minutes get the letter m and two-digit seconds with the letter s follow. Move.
6h32m32s
